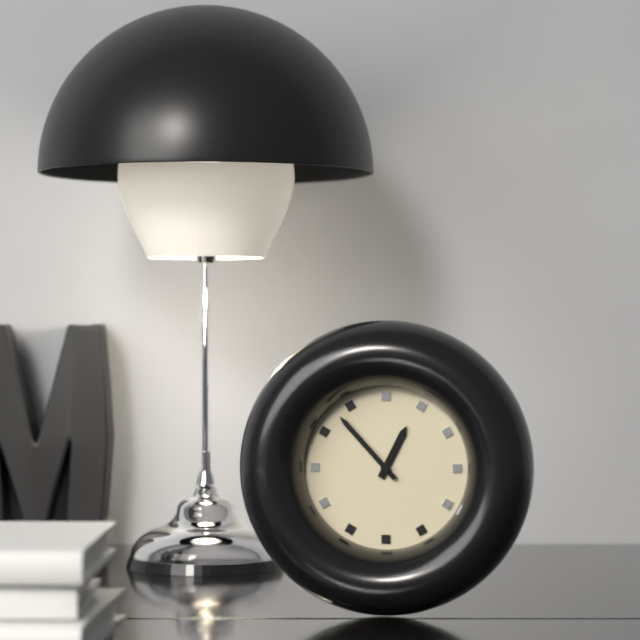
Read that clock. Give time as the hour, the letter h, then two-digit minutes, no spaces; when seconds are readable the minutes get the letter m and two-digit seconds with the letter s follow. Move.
12h53
